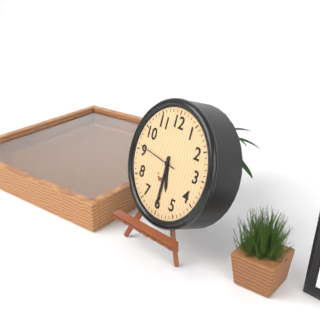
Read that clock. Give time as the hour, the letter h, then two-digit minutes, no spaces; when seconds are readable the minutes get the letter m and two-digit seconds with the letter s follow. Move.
5h30
